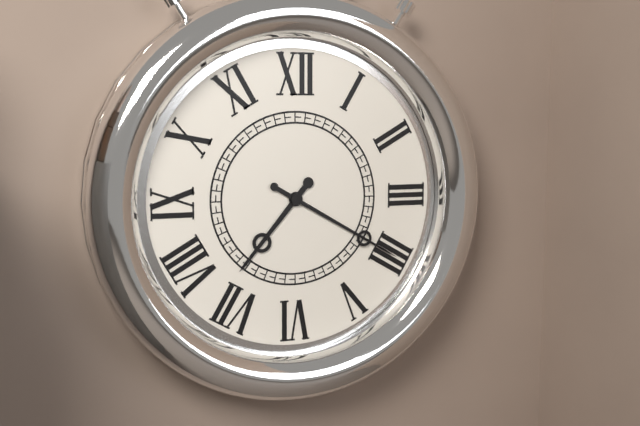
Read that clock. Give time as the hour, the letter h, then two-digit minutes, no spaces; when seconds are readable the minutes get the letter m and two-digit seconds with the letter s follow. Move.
7h20
